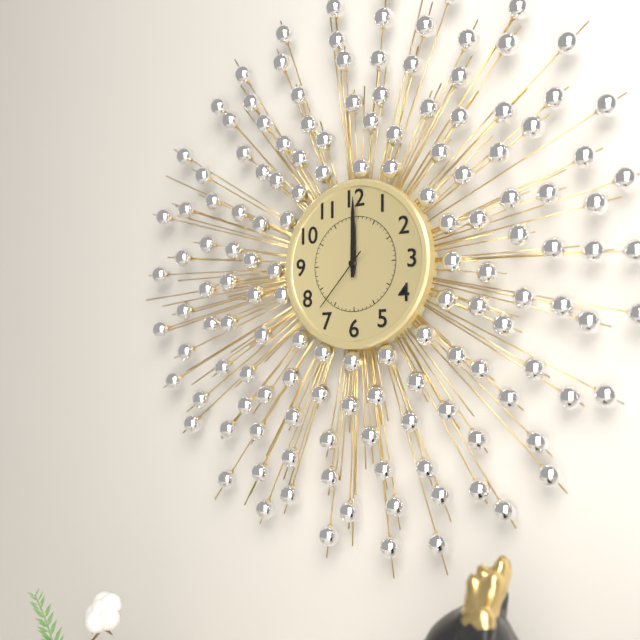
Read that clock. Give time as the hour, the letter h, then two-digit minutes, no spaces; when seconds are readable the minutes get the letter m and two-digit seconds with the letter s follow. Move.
12h00m37s
